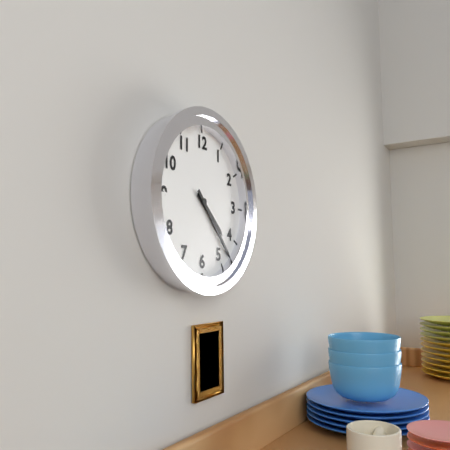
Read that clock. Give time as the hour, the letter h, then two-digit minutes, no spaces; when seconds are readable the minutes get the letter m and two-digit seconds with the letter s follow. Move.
4h23
